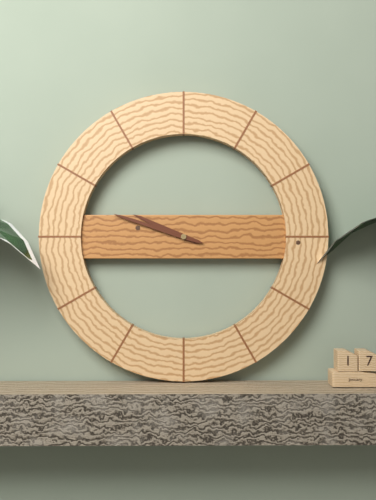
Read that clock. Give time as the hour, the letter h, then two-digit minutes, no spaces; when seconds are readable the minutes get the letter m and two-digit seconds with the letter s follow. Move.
9h48
